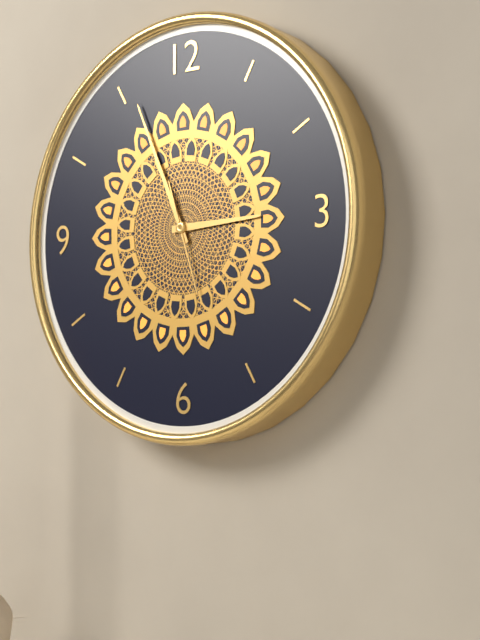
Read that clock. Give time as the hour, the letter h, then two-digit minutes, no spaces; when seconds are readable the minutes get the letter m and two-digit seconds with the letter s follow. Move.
2h56m27s
